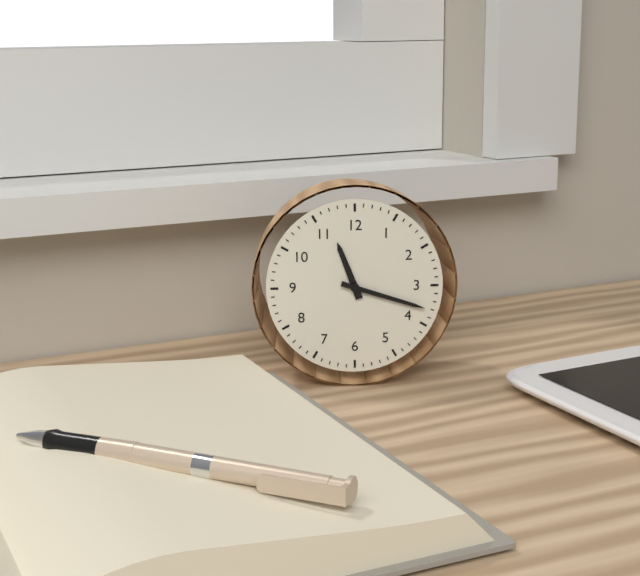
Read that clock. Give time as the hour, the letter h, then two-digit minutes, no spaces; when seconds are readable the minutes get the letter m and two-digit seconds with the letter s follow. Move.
11h18
